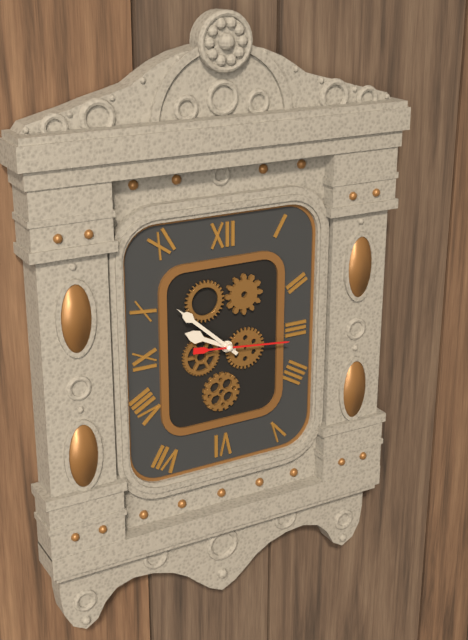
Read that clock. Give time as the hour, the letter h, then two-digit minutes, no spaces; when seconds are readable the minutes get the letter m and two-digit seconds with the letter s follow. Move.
9h52m16s
